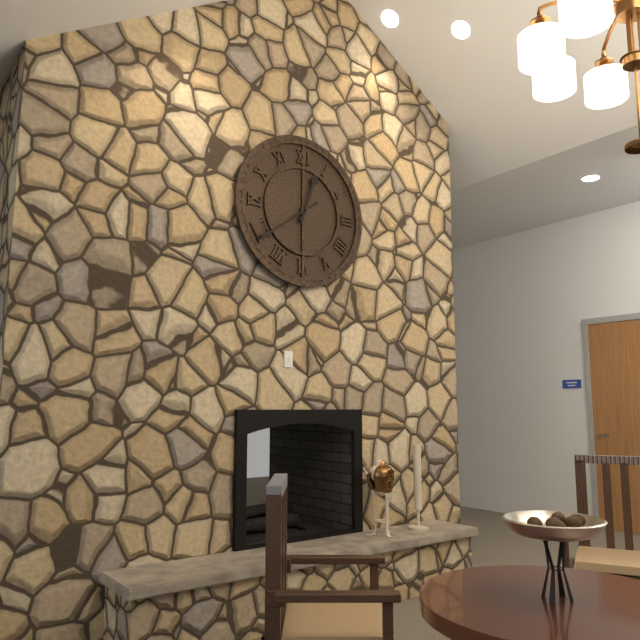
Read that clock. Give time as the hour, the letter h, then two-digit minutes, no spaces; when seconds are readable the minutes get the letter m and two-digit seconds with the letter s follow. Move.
12h39
